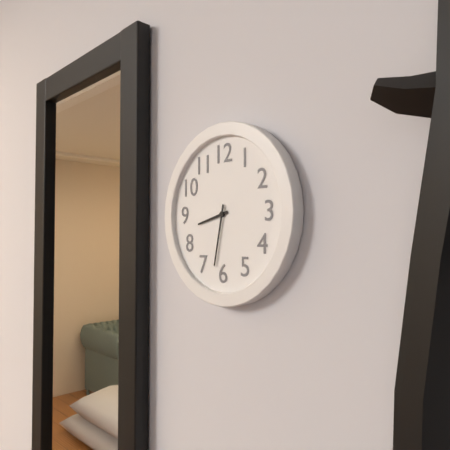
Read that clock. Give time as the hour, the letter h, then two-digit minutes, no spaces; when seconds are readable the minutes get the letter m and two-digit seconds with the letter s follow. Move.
8h32
